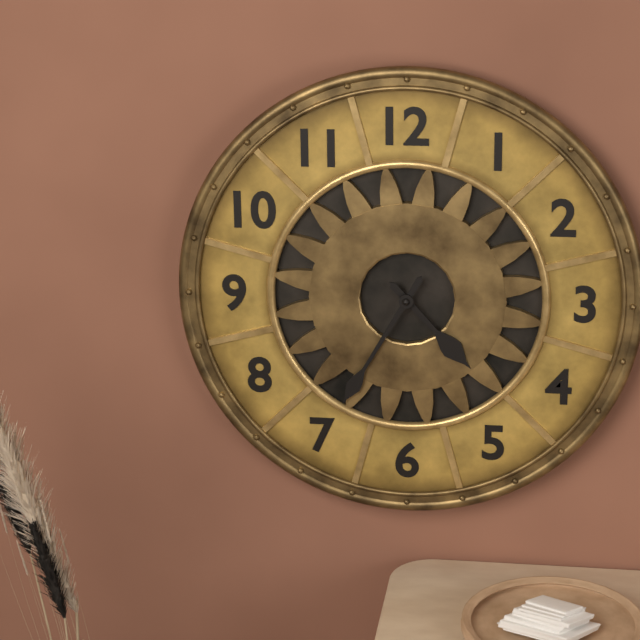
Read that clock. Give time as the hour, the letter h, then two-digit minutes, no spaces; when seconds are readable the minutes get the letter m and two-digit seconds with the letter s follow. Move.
4h35
